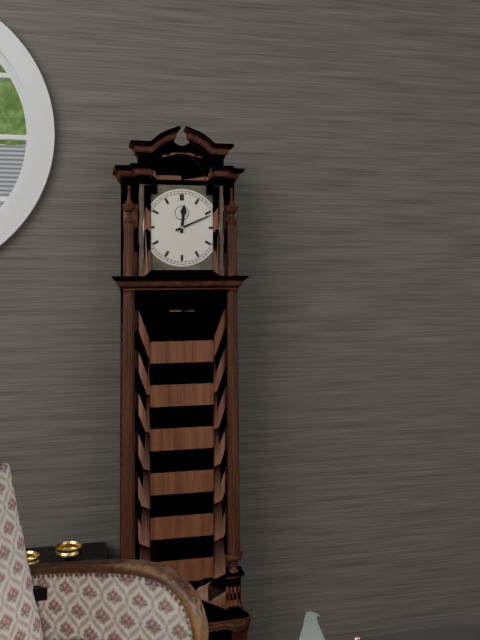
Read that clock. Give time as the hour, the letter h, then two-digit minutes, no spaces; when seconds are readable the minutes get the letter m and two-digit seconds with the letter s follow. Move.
12h11
